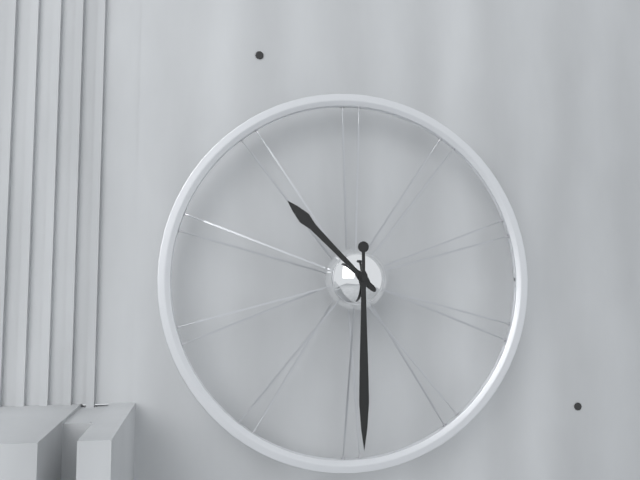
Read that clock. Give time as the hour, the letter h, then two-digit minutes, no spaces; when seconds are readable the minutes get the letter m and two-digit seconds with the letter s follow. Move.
10h30
